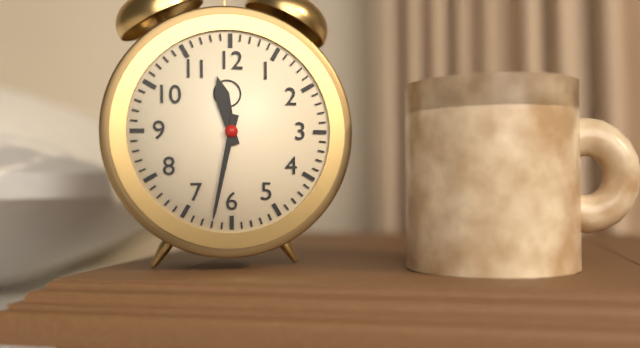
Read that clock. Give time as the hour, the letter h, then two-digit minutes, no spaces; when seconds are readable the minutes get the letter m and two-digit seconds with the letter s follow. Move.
11h32
